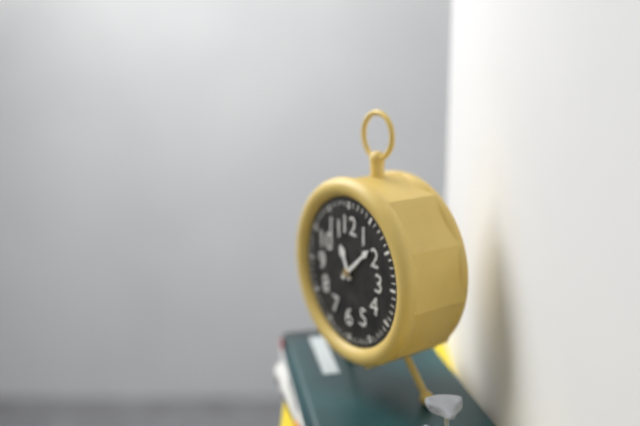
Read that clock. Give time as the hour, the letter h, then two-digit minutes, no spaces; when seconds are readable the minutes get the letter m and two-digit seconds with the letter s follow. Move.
11h08
